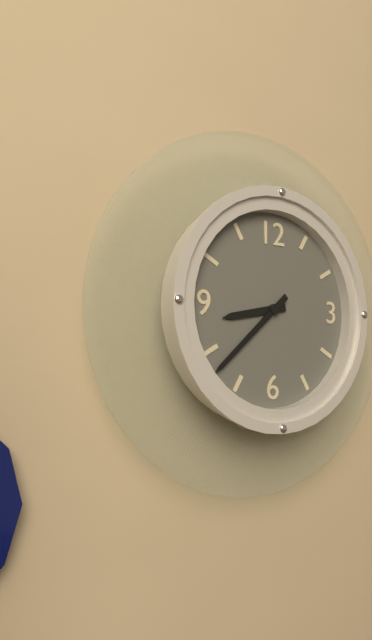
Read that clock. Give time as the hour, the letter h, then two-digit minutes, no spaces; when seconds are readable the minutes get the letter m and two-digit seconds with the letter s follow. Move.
8h38
